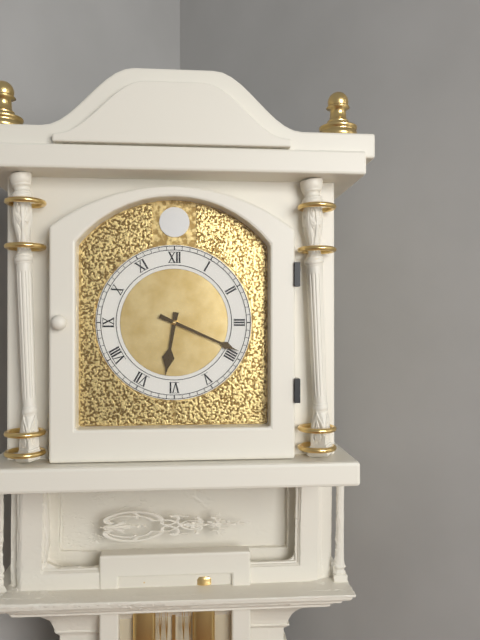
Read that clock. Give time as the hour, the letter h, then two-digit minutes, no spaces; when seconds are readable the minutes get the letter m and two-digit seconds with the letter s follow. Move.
6h19
